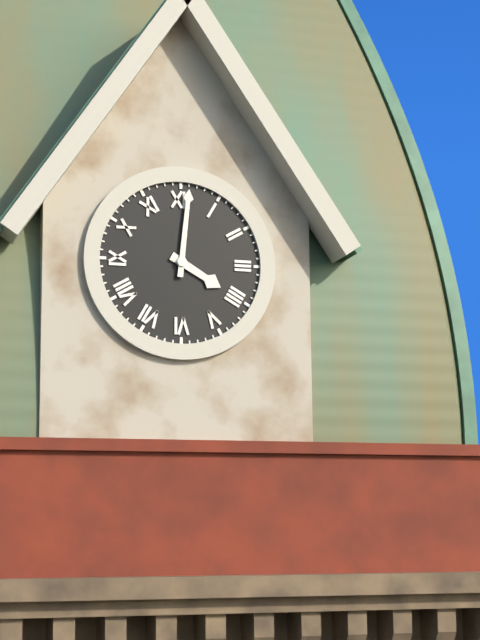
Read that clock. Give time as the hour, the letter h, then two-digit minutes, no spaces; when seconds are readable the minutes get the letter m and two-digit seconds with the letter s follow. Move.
4h01
